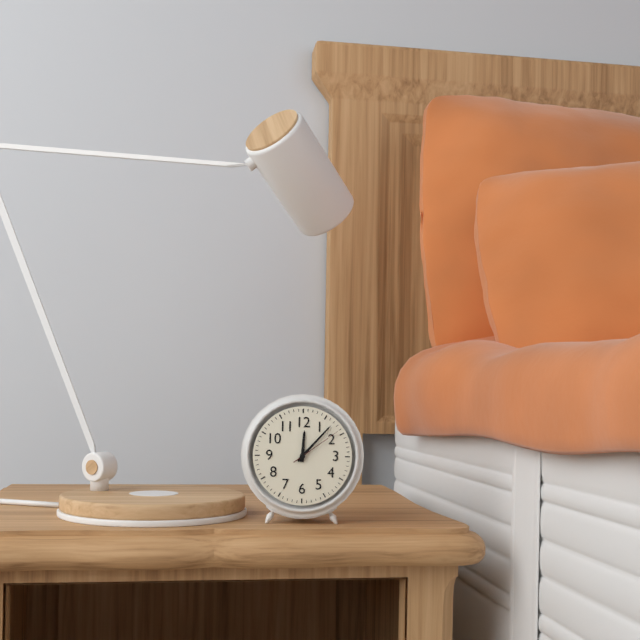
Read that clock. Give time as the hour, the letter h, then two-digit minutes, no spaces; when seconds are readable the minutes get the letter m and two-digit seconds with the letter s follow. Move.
12h07m09s
